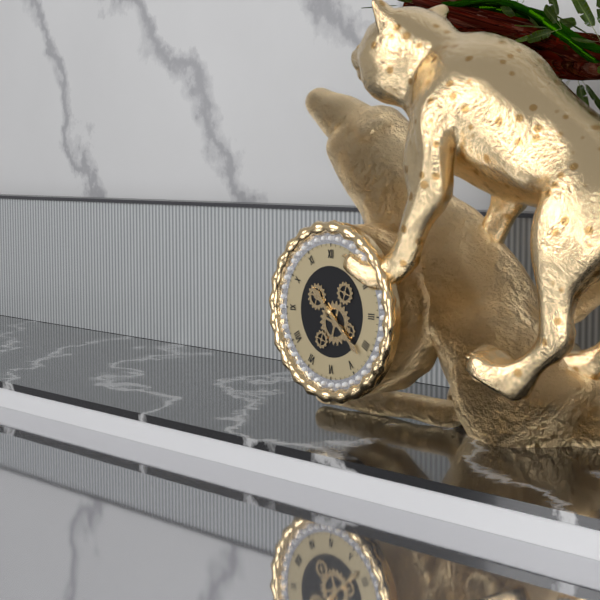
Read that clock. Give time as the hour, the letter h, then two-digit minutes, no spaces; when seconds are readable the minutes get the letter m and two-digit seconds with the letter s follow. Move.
10h22
